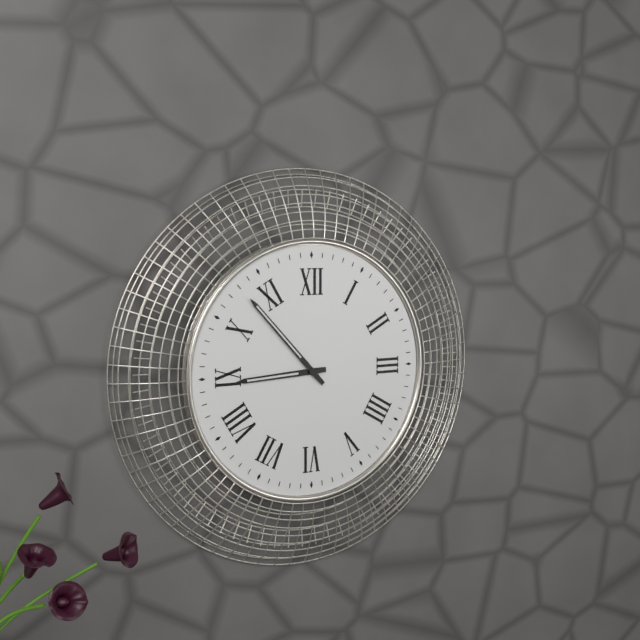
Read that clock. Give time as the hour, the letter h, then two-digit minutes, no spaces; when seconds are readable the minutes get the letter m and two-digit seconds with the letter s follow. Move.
8h53
